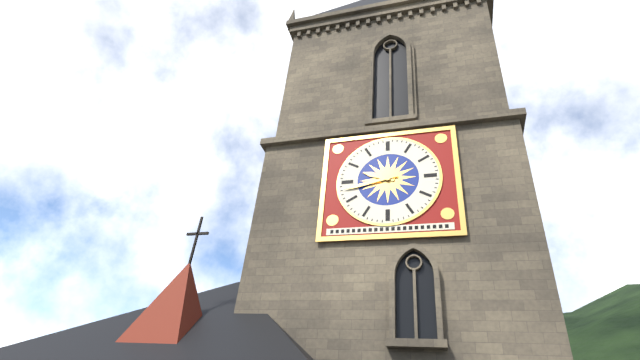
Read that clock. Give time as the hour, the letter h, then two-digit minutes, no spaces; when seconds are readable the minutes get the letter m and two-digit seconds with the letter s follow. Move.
9h43
